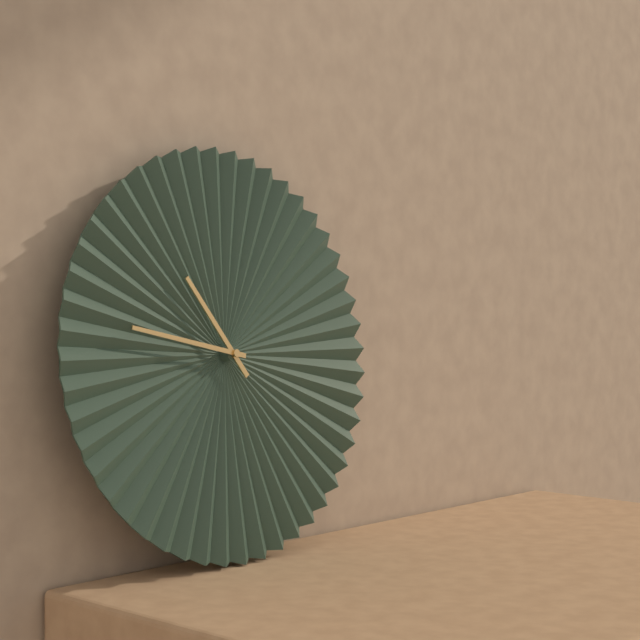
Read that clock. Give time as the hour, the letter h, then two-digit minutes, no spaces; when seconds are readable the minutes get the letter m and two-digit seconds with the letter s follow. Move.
10h47
